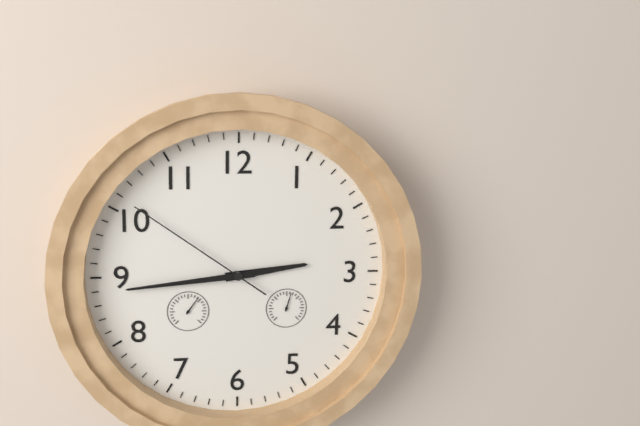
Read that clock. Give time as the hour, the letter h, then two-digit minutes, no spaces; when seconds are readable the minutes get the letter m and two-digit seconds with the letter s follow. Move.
2h44m51s
